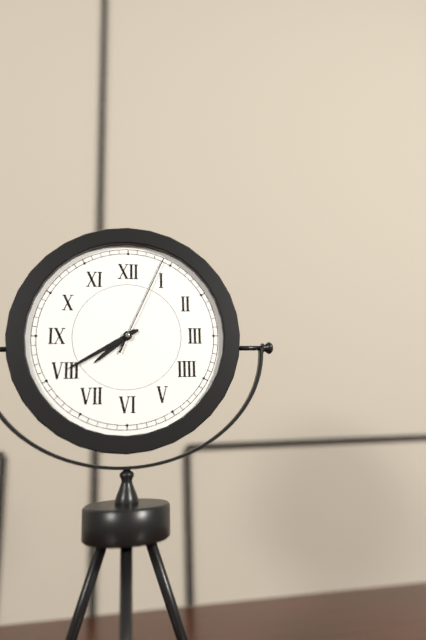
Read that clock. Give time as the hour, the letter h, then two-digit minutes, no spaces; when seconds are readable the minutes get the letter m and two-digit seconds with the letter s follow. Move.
7h40m04s
